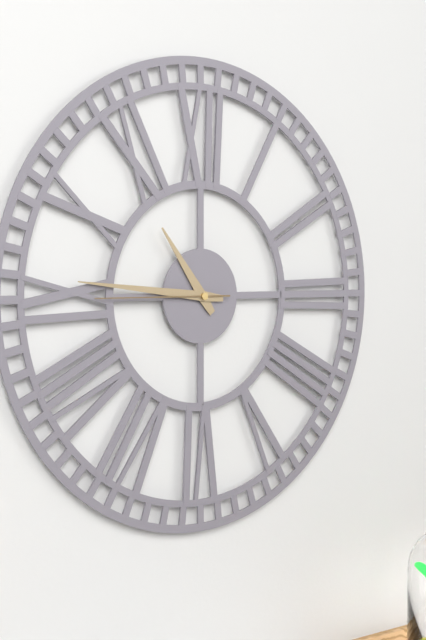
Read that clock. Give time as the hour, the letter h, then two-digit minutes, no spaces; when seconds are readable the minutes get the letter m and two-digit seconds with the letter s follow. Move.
10h46m45s
